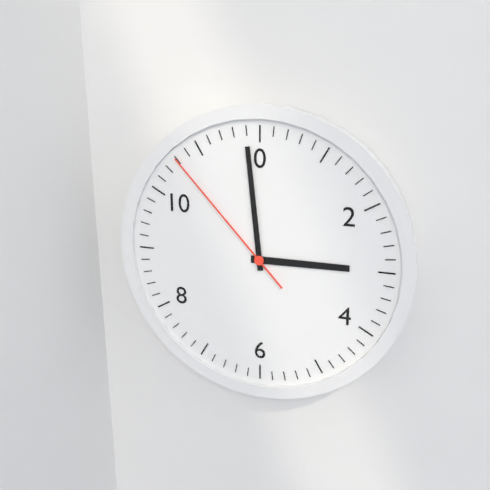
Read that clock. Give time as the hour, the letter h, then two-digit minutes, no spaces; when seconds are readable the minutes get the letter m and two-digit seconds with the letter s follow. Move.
2h59m53s
